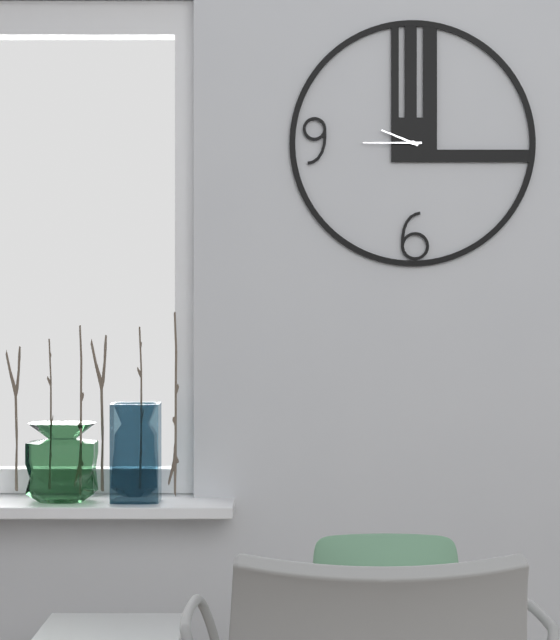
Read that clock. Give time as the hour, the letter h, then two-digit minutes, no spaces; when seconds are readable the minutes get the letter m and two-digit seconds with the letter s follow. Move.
9h45
